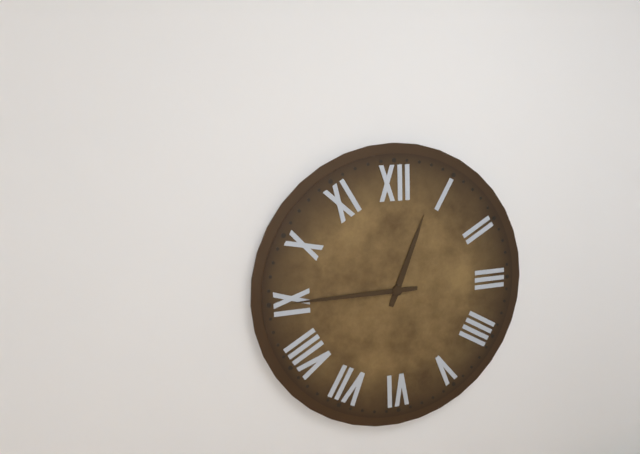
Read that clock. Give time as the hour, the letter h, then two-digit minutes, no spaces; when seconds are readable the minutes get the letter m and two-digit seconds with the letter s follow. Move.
12h45
